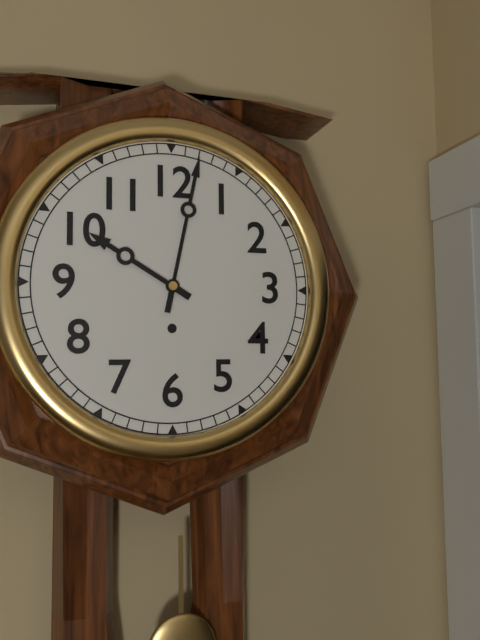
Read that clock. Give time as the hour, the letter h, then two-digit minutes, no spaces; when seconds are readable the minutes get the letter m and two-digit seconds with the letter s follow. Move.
10h02
